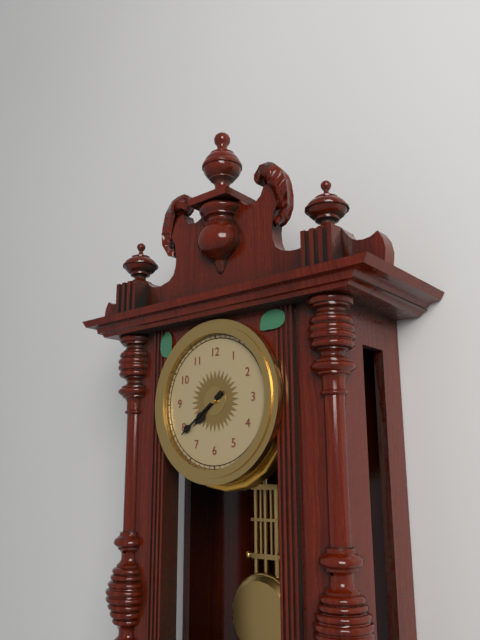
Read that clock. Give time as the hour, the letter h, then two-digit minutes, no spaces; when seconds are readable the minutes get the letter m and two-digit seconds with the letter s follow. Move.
7h39
